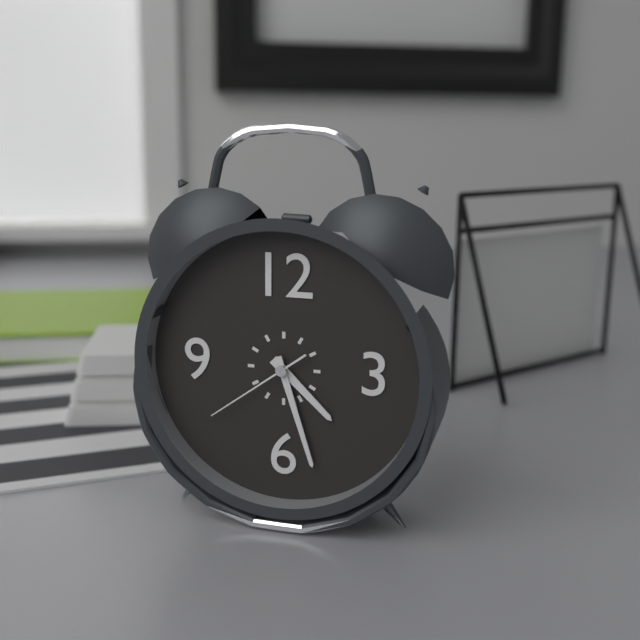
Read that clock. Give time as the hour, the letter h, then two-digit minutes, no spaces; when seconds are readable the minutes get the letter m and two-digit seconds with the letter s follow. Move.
4h27m39s
